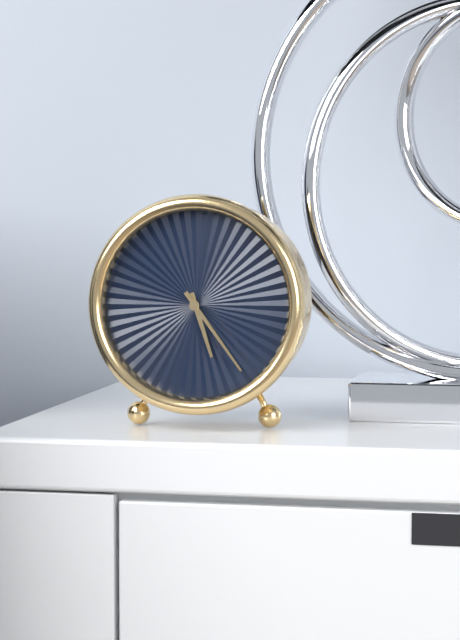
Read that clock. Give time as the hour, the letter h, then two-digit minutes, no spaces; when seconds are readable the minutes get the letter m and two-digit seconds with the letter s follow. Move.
5h24
